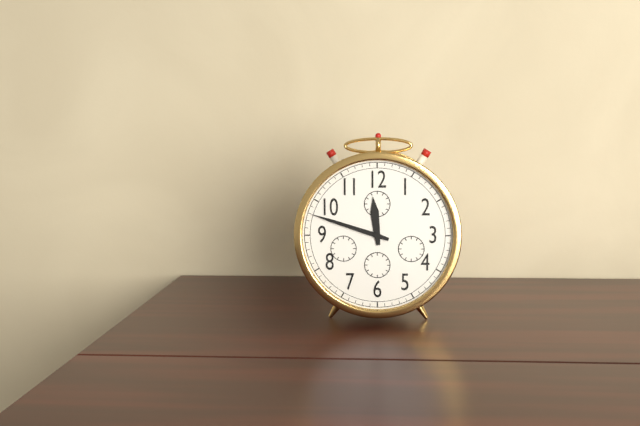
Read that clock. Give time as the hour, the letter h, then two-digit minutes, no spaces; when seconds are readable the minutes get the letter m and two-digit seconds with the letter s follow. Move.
11h48
